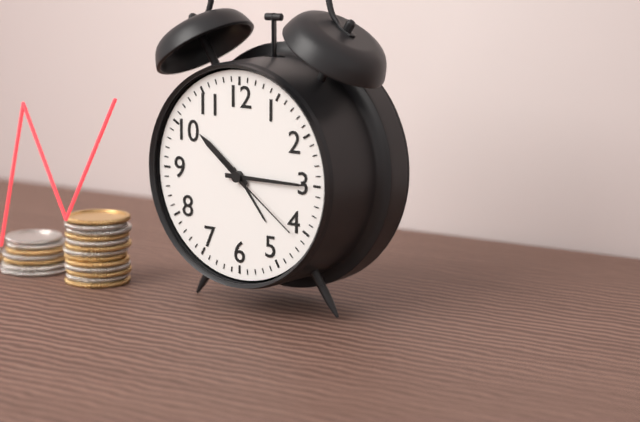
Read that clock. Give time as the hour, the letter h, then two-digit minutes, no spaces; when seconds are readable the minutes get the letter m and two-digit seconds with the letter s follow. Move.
10h15m21s
